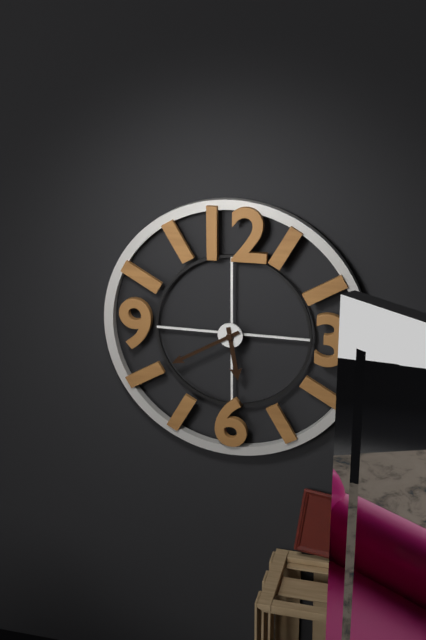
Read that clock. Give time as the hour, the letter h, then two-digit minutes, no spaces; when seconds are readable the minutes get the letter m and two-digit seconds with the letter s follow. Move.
5h40
